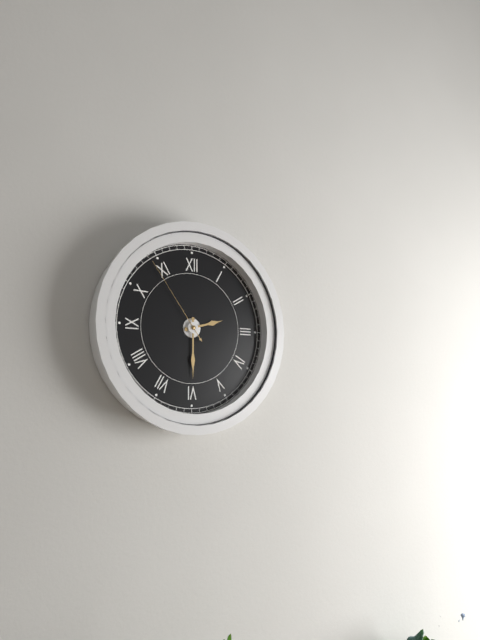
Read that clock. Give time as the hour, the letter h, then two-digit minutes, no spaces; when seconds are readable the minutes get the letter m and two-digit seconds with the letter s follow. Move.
2h30m54s
